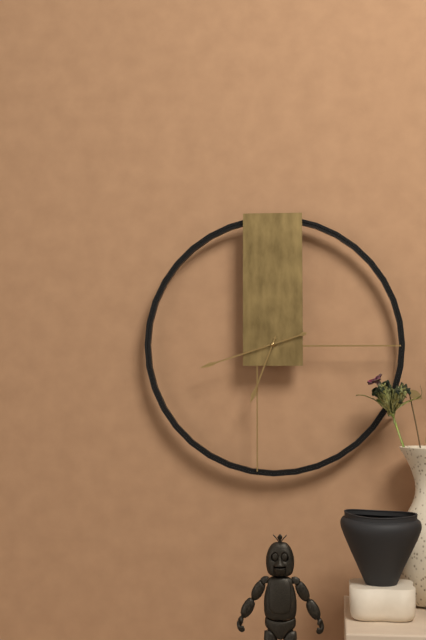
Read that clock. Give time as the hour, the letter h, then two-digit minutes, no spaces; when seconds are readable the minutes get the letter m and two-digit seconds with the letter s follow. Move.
6h42
